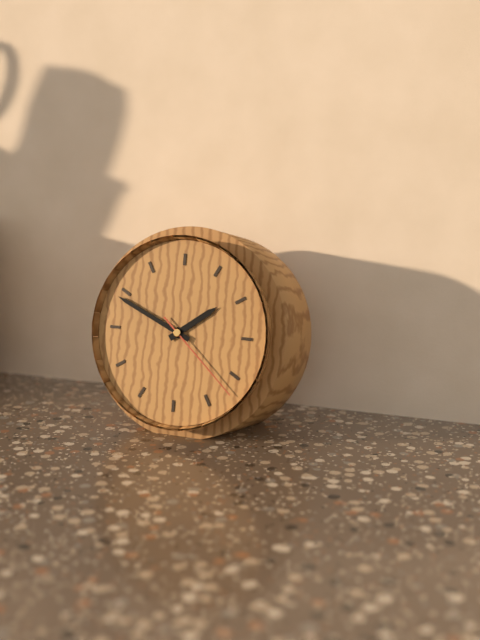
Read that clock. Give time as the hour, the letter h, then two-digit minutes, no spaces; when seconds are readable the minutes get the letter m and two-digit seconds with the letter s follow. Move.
1h49m22s
